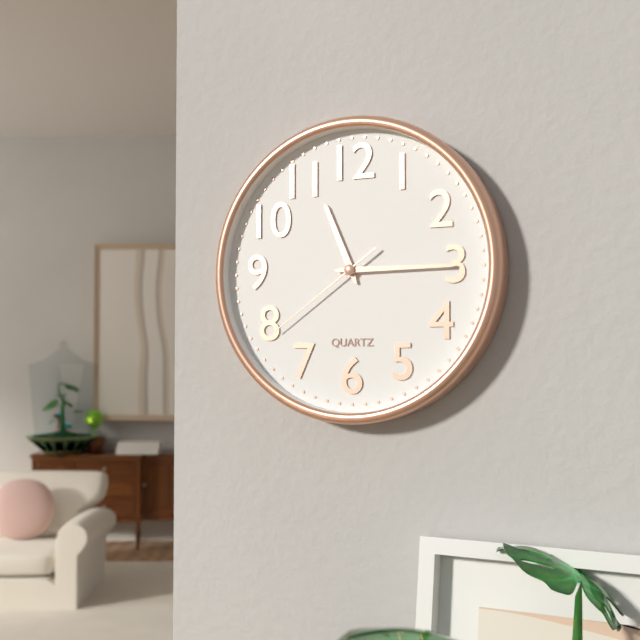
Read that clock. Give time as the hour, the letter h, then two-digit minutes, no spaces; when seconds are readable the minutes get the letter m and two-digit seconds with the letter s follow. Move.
11h15m39s
